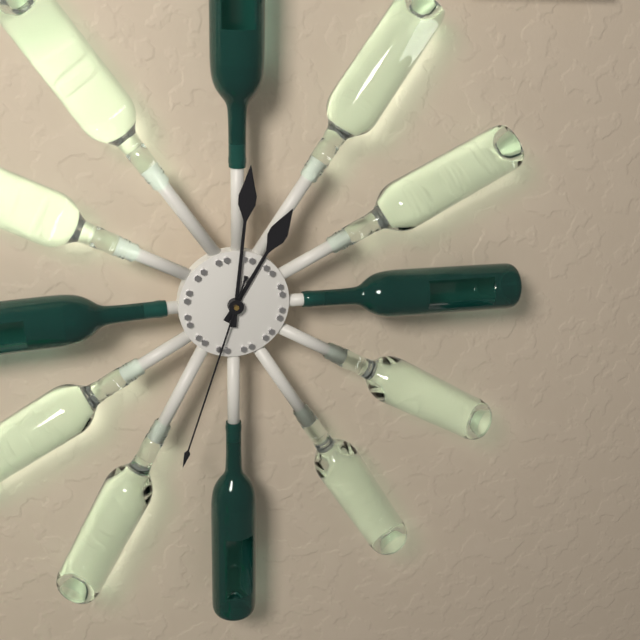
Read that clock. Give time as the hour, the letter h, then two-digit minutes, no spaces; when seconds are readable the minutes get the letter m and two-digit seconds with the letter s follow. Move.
1h01m33s
